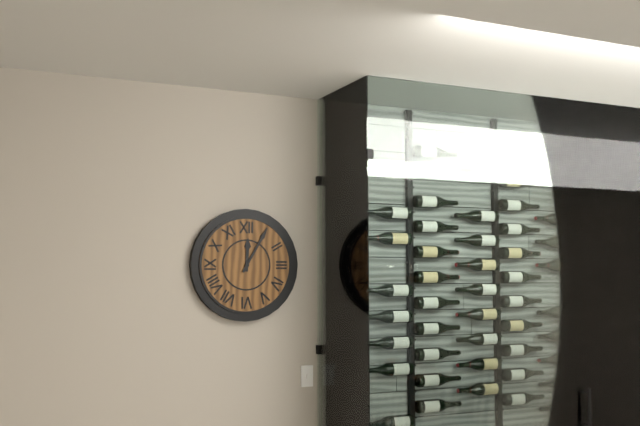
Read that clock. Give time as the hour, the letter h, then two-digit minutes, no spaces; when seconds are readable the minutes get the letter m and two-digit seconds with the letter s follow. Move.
12h05
